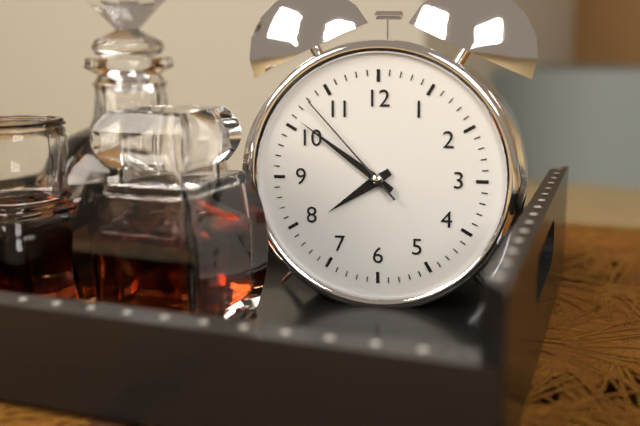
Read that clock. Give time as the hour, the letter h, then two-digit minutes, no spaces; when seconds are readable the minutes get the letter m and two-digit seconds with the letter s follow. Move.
7h51m53s
